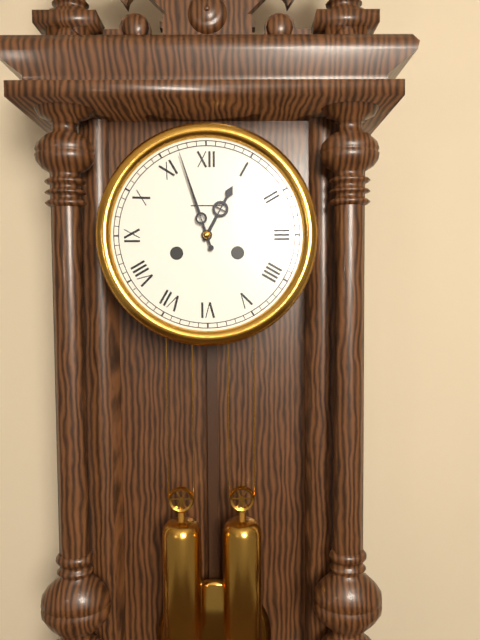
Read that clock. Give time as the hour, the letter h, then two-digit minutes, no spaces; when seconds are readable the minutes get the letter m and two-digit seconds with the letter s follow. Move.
12h57
